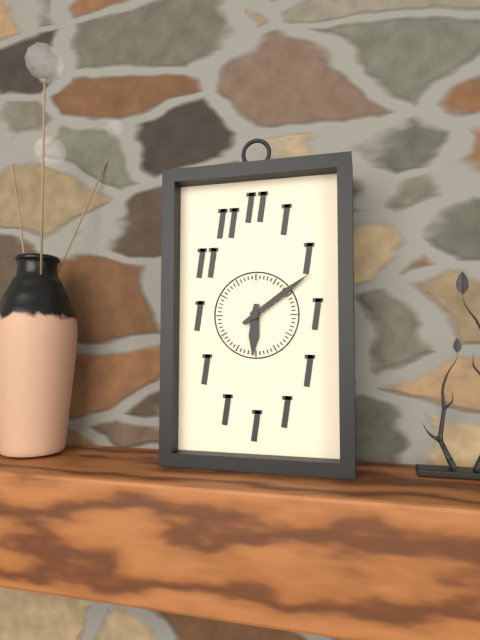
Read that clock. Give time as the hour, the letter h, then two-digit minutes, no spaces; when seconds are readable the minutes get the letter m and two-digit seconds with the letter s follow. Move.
6h09
